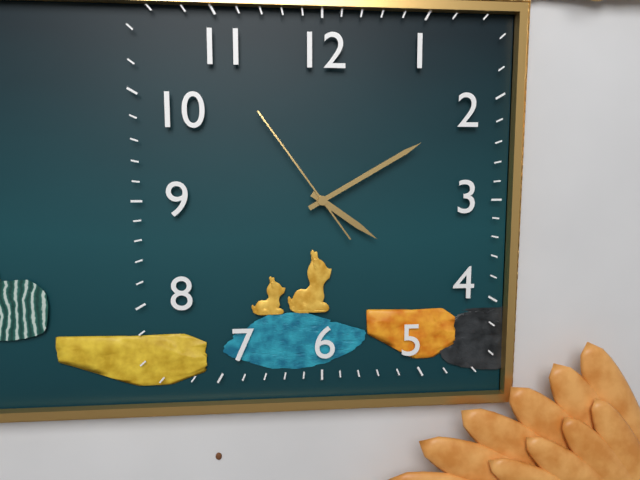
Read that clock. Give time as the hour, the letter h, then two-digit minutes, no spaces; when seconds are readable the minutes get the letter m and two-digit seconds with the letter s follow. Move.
4h10m54s
